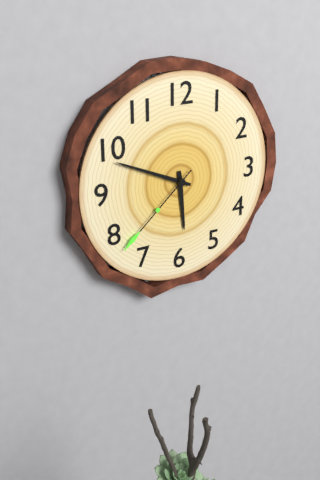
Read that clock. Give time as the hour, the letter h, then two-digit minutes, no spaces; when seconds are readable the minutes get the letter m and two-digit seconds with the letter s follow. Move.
5h49m38s
